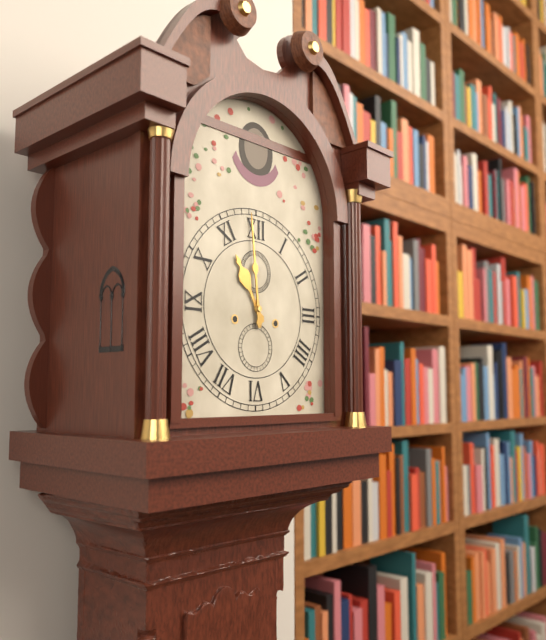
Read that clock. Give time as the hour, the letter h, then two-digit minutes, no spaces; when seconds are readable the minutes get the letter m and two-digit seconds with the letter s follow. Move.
10h59
